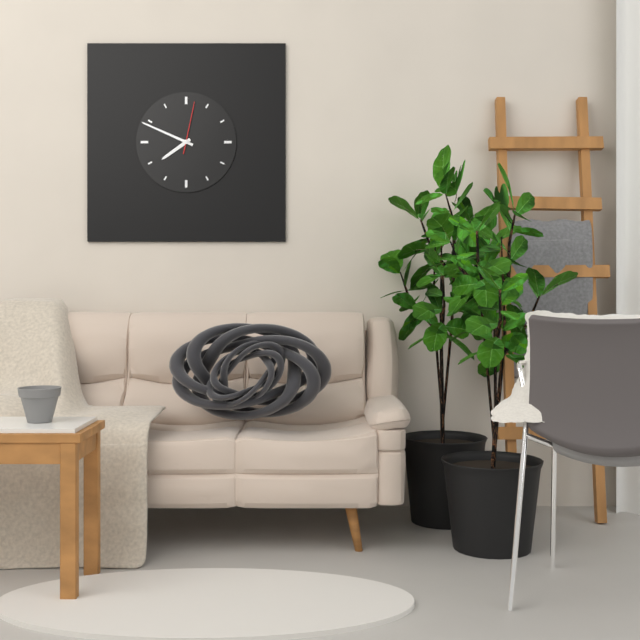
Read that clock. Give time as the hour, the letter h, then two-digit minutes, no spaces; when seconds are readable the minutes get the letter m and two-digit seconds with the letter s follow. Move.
7h49m02s
